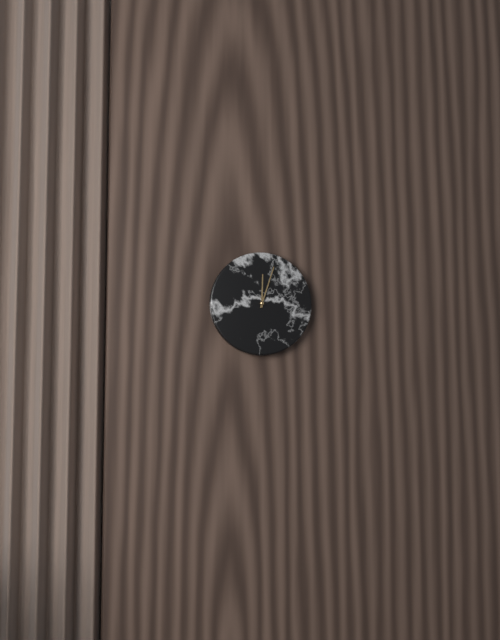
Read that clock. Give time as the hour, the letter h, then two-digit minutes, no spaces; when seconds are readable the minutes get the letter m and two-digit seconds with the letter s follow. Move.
12h03
